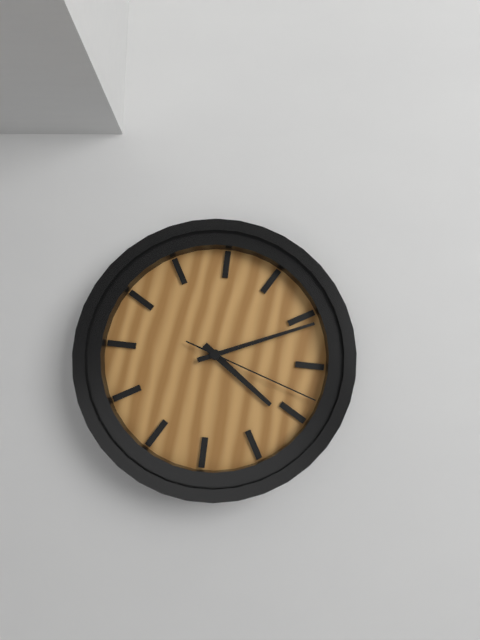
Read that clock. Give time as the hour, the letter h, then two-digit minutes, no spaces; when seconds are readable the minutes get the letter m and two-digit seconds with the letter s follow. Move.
4h11m18s
